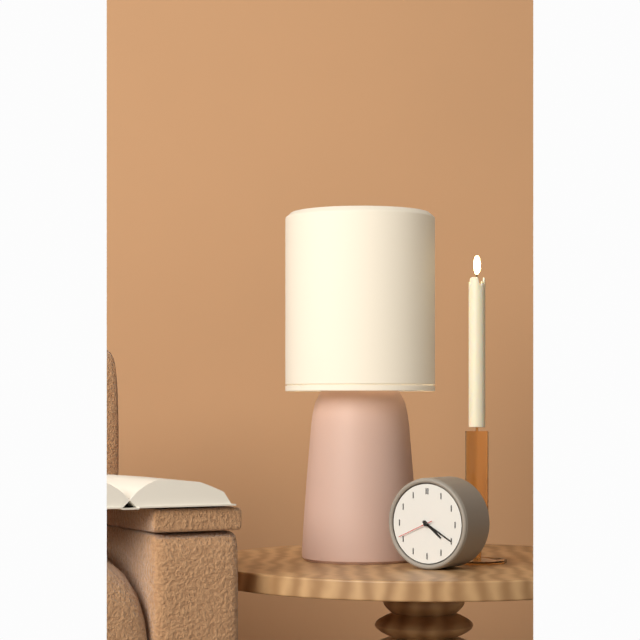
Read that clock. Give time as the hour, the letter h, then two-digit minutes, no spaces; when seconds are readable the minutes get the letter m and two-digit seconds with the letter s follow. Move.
4h20
